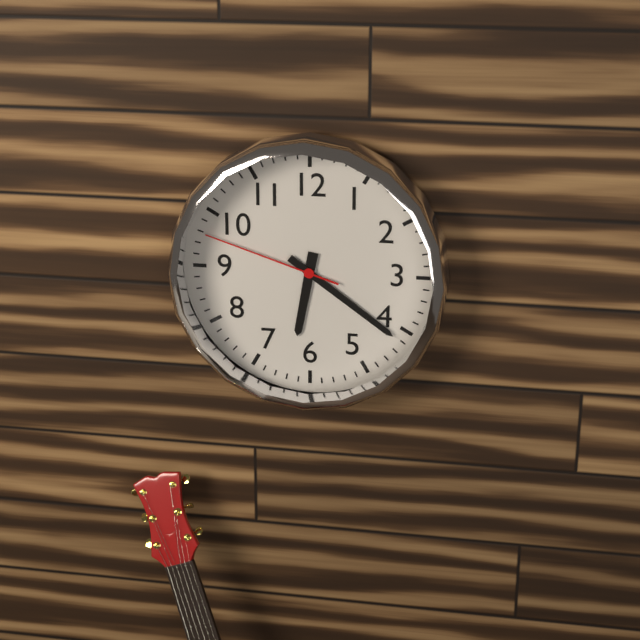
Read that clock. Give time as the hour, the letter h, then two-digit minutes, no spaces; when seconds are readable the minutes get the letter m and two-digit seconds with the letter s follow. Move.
6h21m48s
